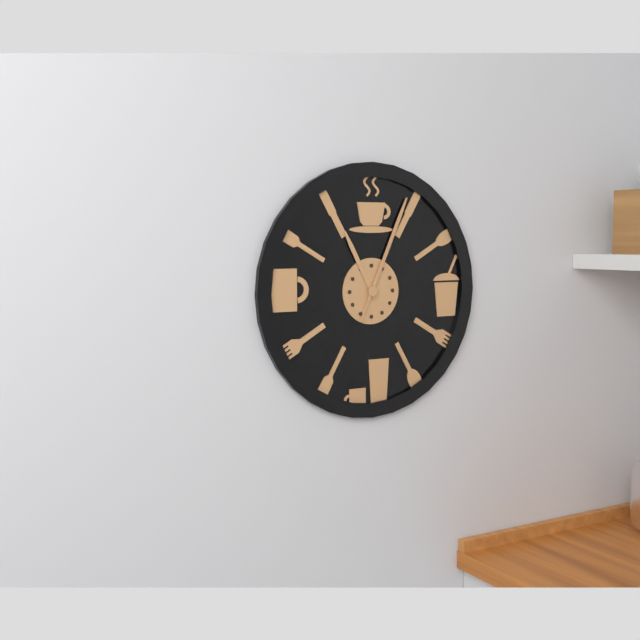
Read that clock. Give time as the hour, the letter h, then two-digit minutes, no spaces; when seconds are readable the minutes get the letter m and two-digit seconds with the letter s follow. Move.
11h04m04s
